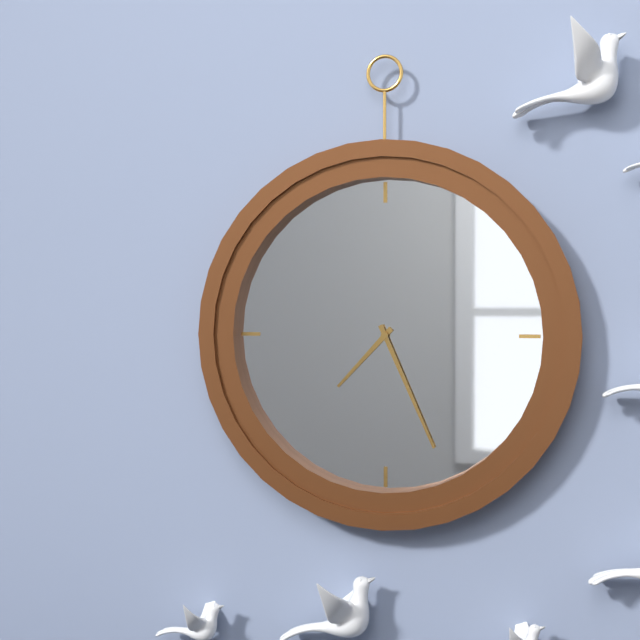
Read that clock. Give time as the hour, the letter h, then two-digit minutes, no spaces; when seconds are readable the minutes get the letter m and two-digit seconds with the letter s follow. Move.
7h26
